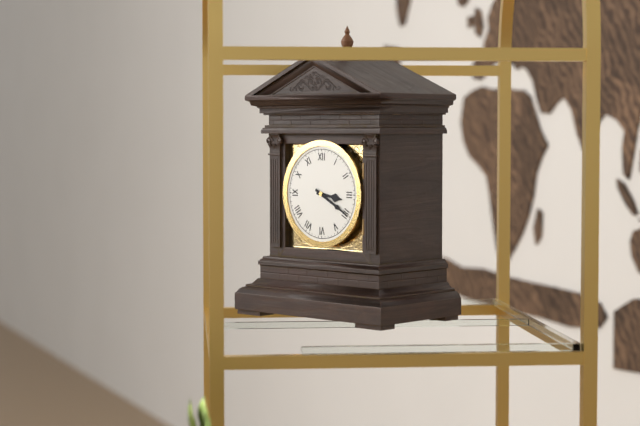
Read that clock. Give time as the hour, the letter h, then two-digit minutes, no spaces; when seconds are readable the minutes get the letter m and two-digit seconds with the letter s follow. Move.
3h20
